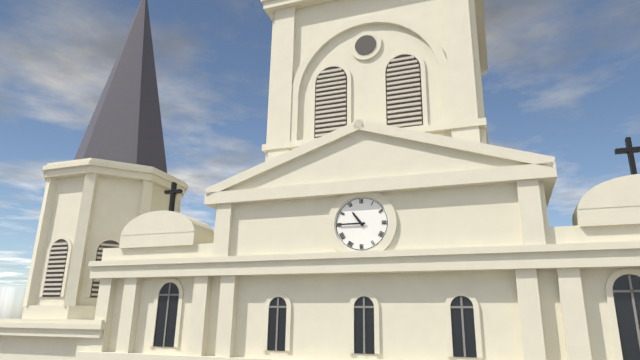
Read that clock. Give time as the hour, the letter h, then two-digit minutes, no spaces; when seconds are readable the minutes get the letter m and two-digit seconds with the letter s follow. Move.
10h45
